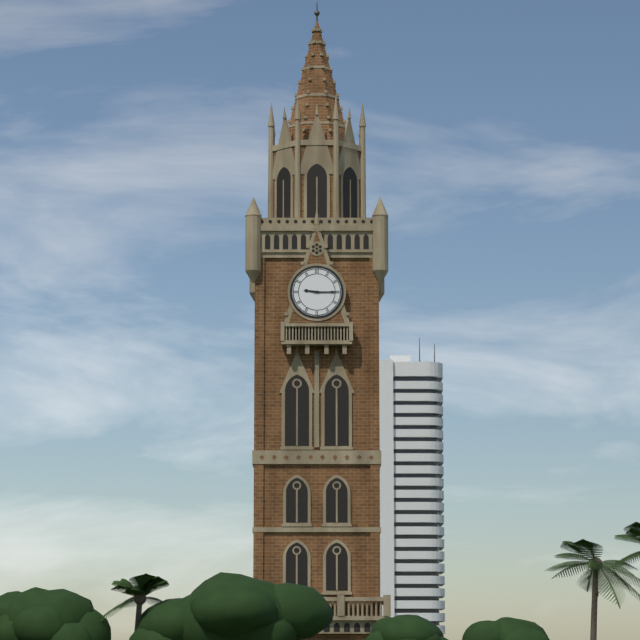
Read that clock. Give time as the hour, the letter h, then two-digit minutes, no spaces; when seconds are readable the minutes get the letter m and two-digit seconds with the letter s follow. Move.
9h15
